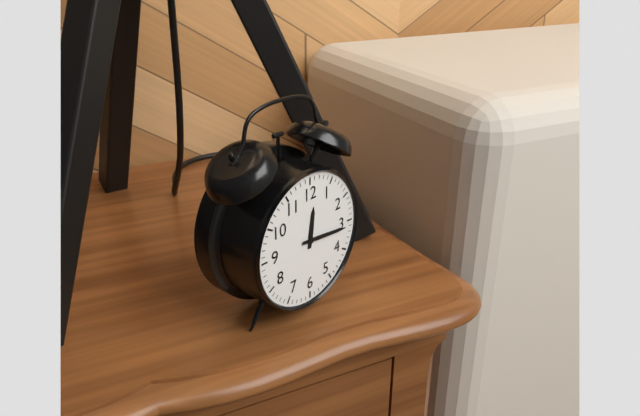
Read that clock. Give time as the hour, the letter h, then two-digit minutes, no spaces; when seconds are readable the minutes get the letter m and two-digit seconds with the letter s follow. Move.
12h16
